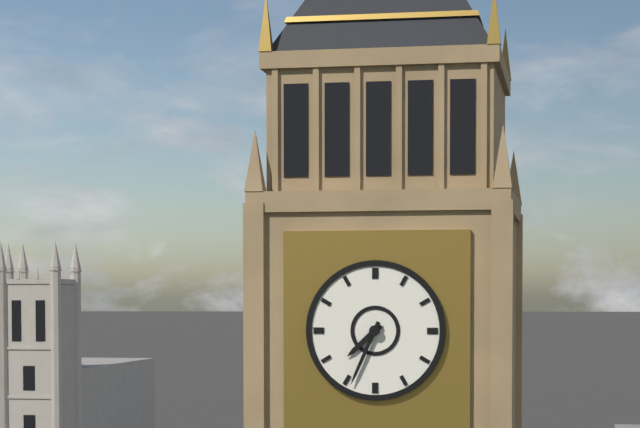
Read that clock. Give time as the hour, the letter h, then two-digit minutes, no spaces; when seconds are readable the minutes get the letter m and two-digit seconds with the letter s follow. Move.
7h34
